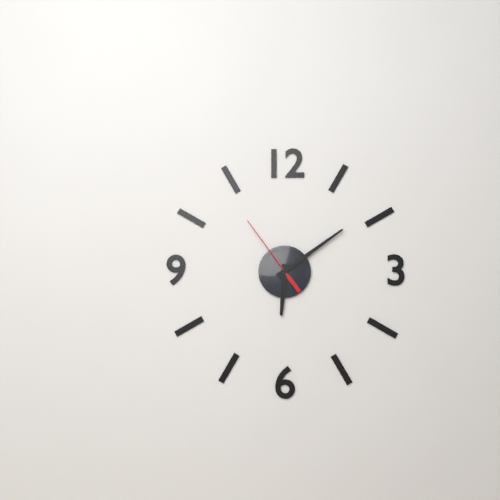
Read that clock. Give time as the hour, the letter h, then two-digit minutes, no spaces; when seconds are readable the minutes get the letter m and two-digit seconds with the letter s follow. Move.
6h09m54s
